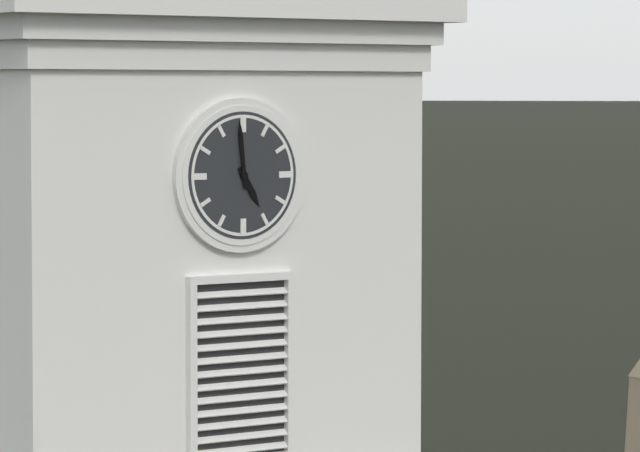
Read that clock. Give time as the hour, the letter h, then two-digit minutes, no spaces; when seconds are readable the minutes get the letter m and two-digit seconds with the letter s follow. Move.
4h59
